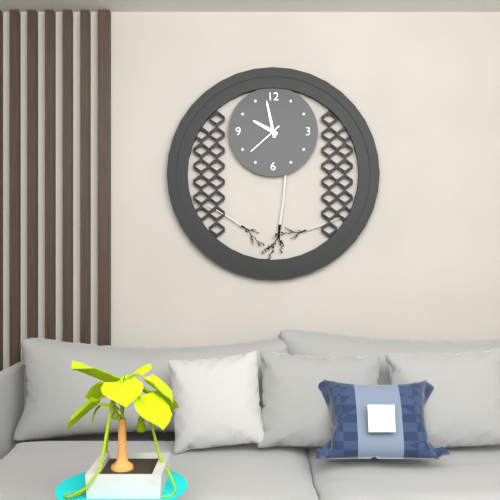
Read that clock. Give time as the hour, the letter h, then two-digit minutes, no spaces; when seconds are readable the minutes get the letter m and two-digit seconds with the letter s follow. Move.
9h58
